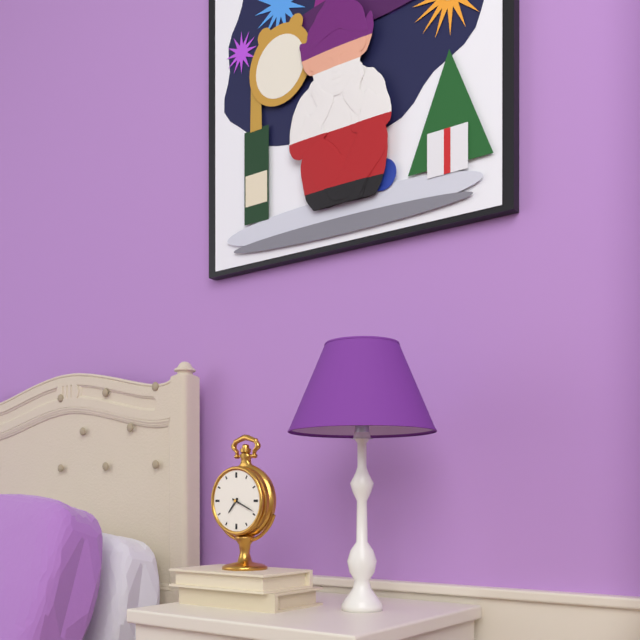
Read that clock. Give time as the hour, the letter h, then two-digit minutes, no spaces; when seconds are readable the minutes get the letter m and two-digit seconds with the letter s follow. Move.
7h19
